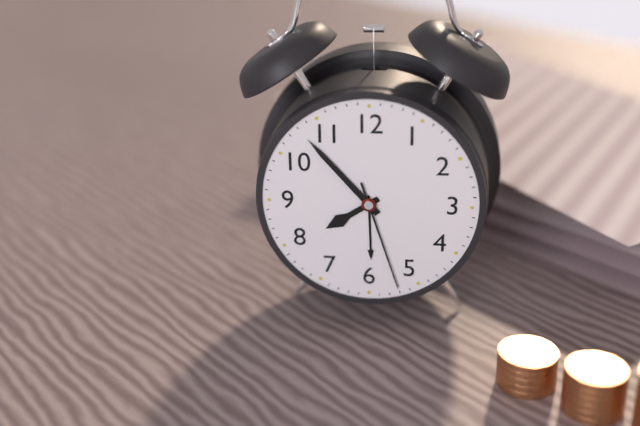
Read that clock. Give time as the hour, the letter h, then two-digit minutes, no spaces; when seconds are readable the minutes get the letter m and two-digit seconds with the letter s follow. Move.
7h53m27s
